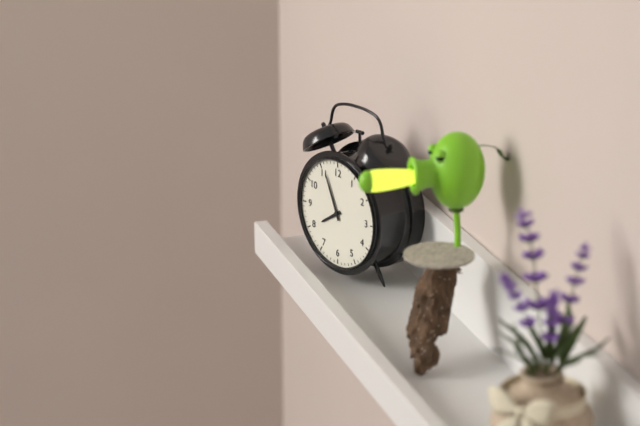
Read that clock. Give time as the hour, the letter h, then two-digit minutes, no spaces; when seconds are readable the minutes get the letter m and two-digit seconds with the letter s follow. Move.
7h56
